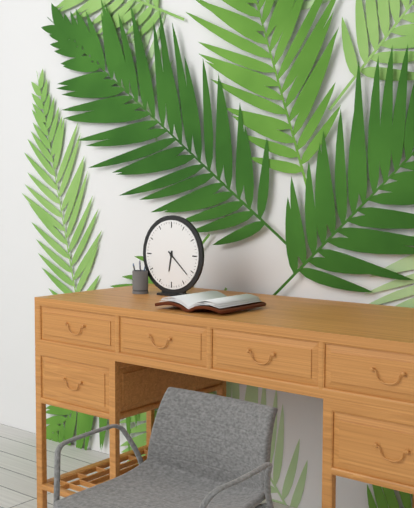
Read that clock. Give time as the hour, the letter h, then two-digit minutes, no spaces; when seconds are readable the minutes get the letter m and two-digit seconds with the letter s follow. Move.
6h22
